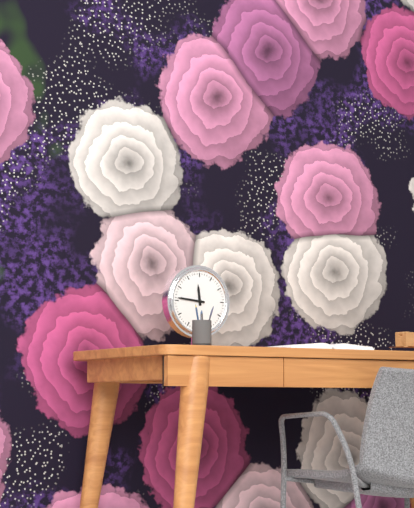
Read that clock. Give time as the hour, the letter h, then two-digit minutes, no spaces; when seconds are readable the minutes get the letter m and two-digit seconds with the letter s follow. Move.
11h46
